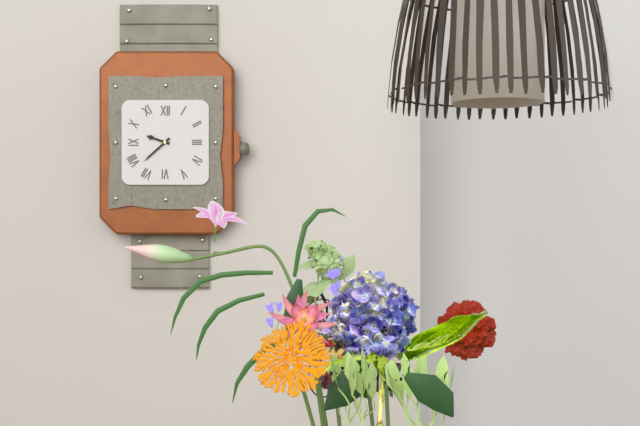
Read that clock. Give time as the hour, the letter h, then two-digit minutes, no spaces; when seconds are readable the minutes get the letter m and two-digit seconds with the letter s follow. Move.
9h38
